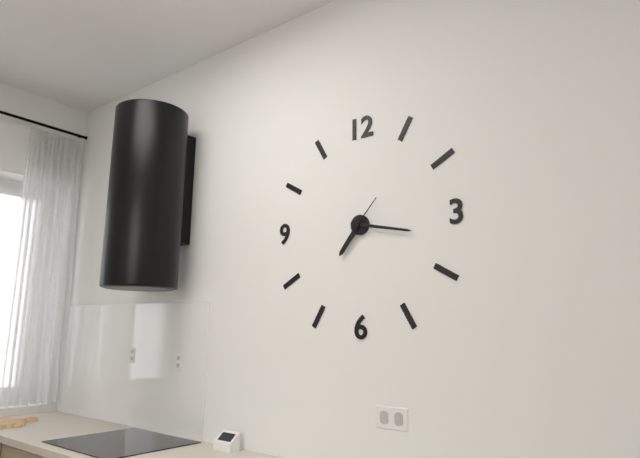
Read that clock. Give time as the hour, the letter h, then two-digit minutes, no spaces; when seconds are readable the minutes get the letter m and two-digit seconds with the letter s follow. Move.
7h17
